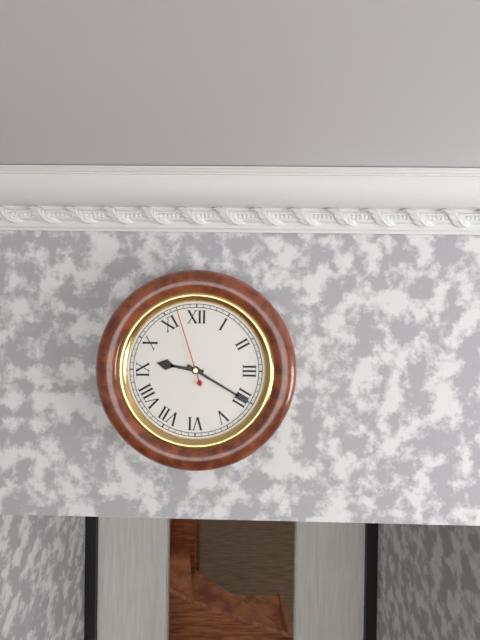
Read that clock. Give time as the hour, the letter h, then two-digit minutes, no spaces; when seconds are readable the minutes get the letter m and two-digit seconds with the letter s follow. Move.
9h20m57s
